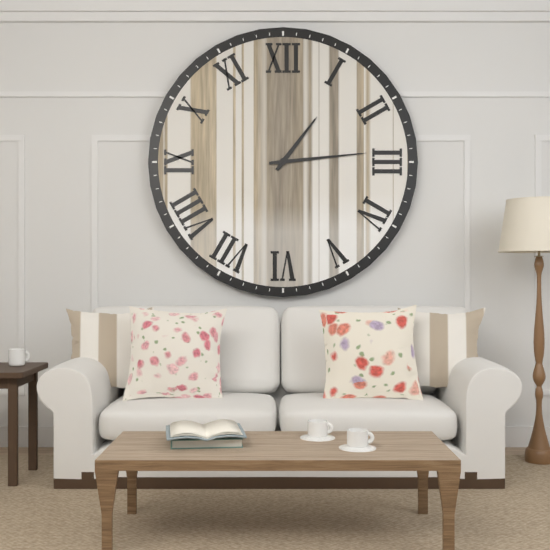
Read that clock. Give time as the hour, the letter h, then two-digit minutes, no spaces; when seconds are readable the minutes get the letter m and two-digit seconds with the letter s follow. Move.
1h14
